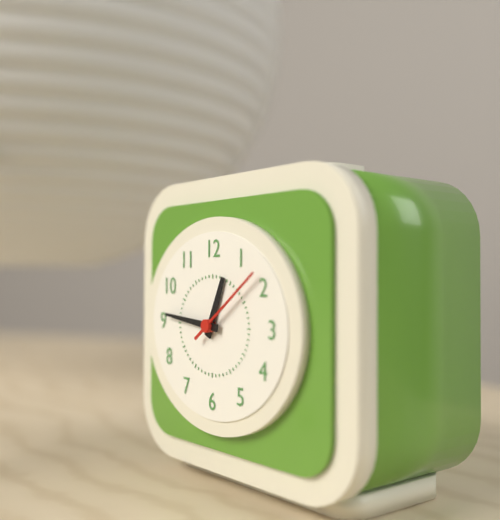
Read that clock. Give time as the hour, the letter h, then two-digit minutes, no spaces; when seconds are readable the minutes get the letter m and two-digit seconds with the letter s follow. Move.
12h46m09s
